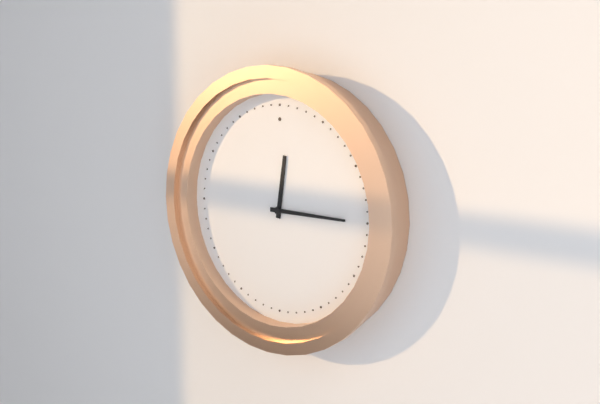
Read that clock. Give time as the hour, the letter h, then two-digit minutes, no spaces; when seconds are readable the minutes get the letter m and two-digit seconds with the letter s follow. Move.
12h15
